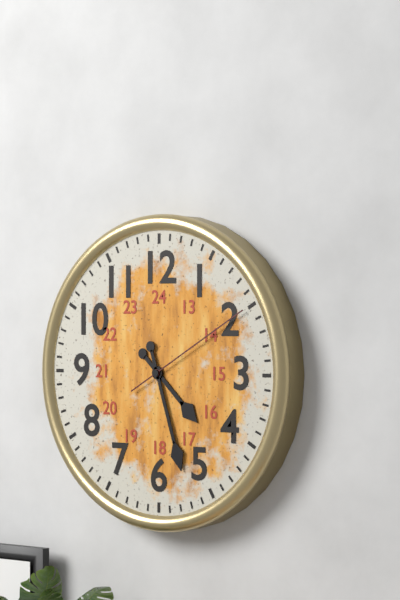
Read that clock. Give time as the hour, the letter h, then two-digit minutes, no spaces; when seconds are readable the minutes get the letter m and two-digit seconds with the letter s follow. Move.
4h27m10s
